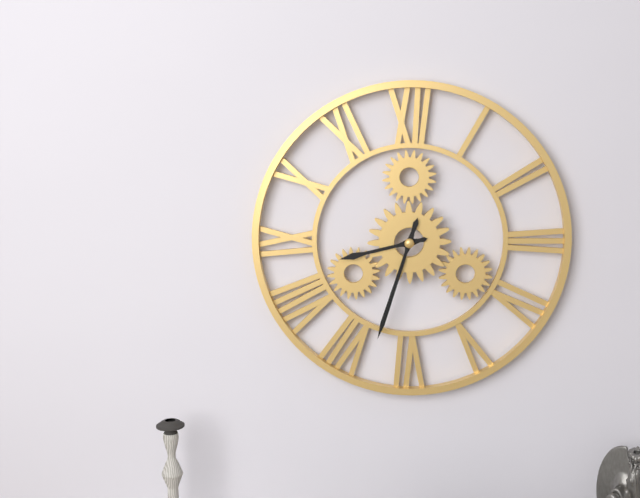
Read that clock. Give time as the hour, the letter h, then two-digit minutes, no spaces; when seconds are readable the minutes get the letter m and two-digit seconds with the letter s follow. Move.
8h33
